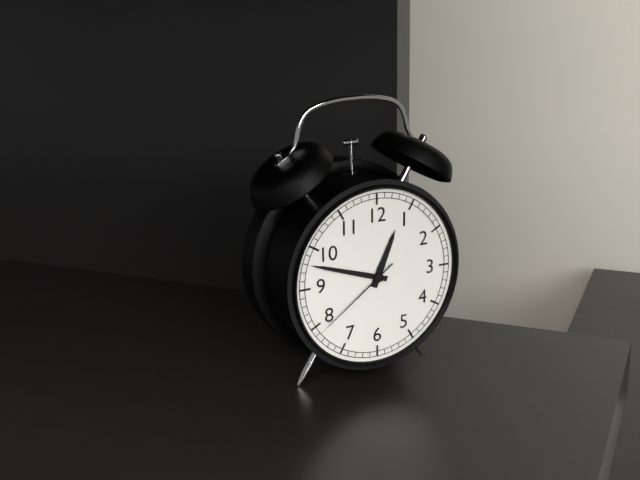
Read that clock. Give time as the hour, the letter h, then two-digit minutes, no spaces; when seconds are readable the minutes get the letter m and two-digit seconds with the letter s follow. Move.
12h48m39s
